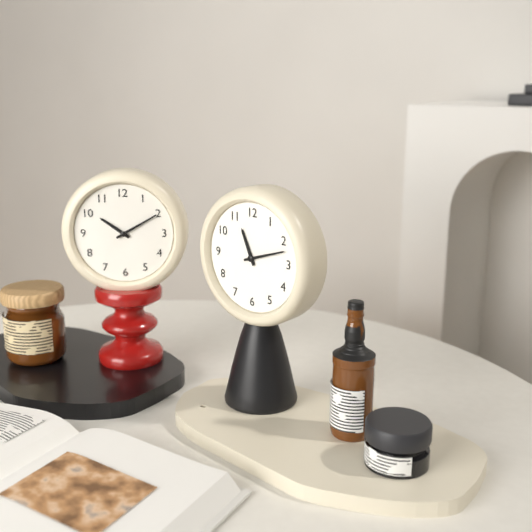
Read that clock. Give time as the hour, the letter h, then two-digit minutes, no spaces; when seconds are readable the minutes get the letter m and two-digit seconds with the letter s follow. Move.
11h12
